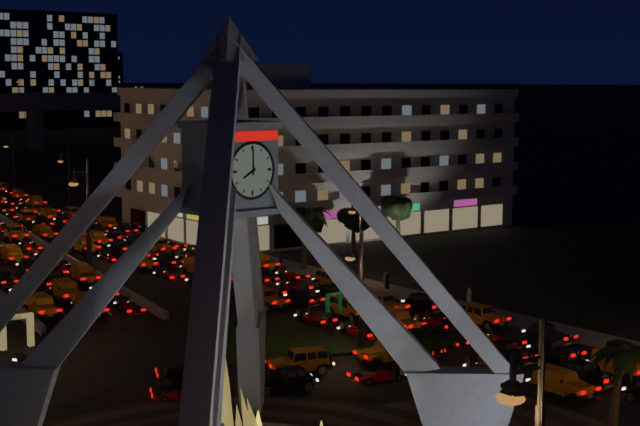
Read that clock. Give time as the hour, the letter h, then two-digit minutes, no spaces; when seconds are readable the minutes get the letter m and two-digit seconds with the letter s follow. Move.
8h00
